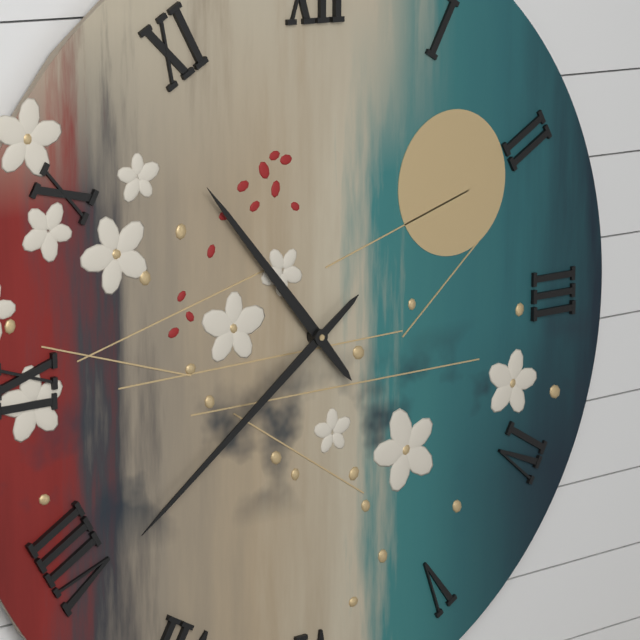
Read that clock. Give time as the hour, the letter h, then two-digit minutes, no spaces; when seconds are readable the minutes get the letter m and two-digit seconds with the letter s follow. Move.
10h39
